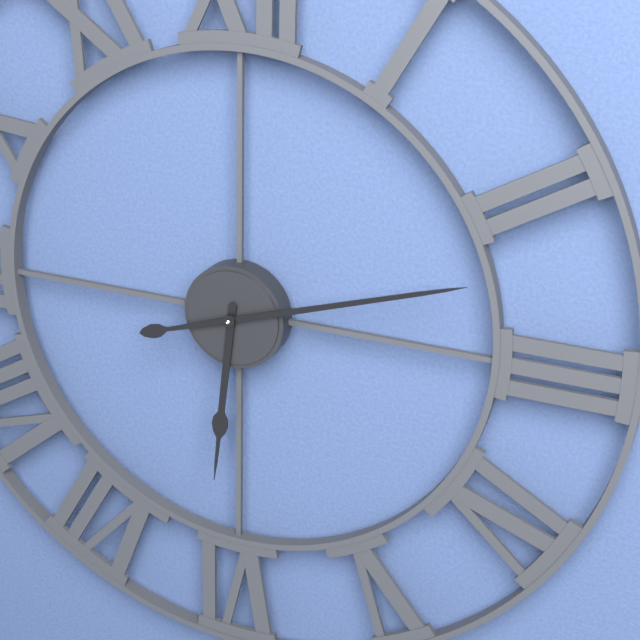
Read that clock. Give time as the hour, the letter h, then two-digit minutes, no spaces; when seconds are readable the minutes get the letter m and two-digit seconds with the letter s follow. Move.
6h12
